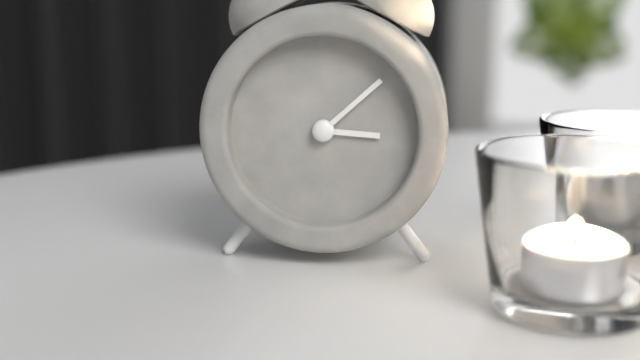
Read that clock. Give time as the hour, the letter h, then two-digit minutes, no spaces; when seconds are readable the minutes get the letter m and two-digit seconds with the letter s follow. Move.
3h08
